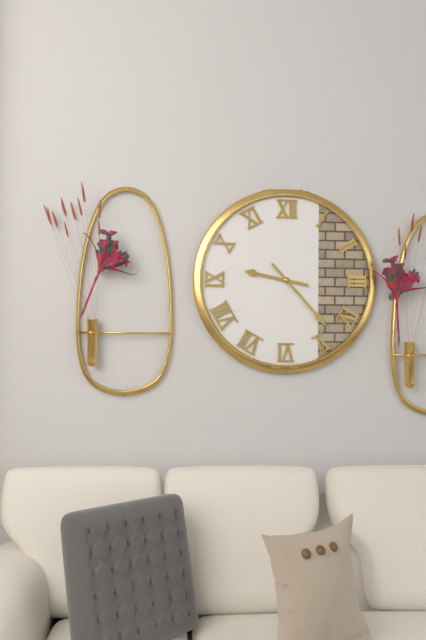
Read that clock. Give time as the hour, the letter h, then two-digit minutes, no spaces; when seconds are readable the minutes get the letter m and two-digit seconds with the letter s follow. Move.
9h23
